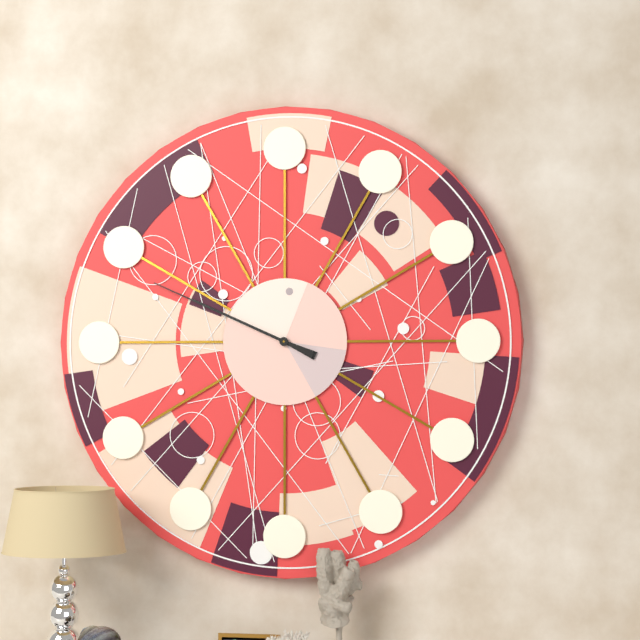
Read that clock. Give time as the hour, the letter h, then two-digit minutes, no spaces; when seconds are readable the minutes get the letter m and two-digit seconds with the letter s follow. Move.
9h49
